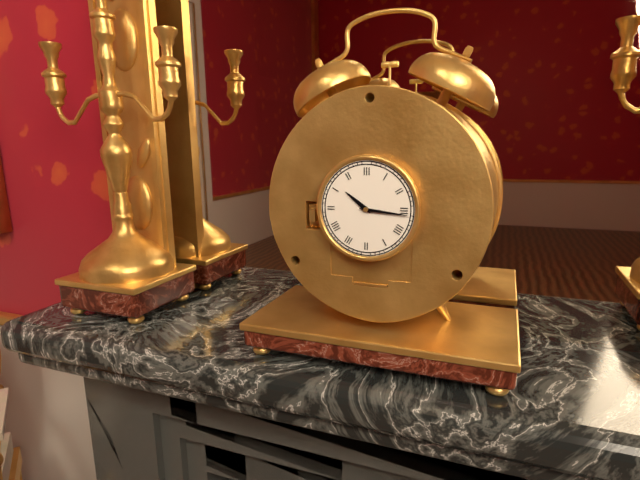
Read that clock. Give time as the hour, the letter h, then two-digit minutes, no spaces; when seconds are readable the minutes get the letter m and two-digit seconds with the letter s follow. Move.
10h16
